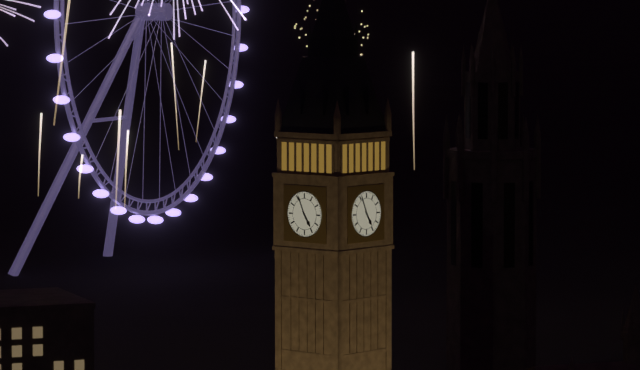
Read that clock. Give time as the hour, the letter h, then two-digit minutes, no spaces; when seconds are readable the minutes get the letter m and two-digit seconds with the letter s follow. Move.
4h56
